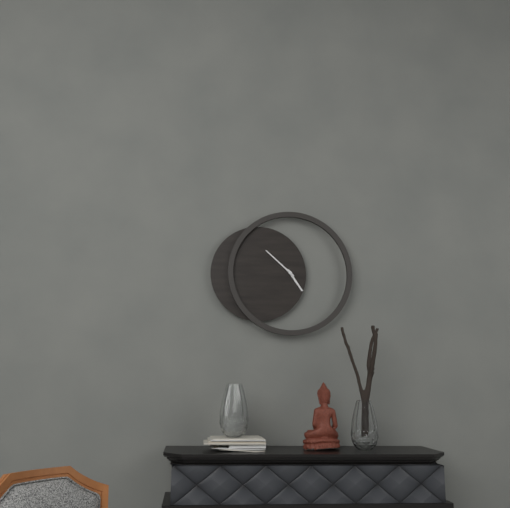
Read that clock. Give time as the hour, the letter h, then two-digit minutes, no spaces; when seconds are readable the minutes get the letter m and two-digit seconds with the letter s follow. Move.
4h52
